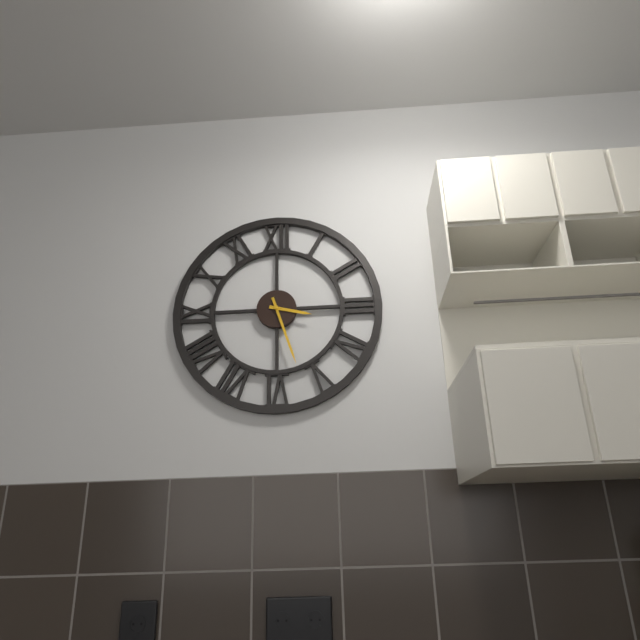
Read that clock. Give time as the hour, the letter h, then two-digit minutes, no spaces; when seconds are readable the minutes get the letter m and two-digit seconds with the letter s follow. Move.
3h27
